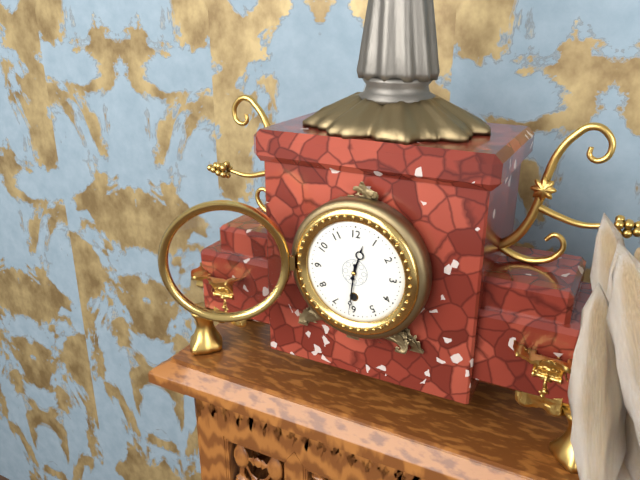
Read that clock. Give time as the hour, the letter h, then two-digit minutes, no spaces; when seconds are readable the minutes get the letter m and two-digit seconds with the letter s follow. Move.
12h31
